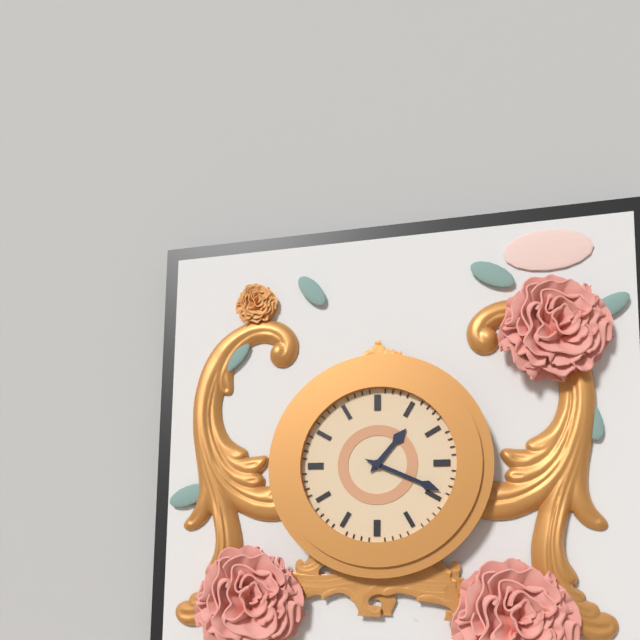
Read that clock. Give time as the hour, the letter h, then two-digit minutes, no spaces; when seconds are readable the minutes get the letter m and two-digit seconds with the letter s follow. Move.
1h19
